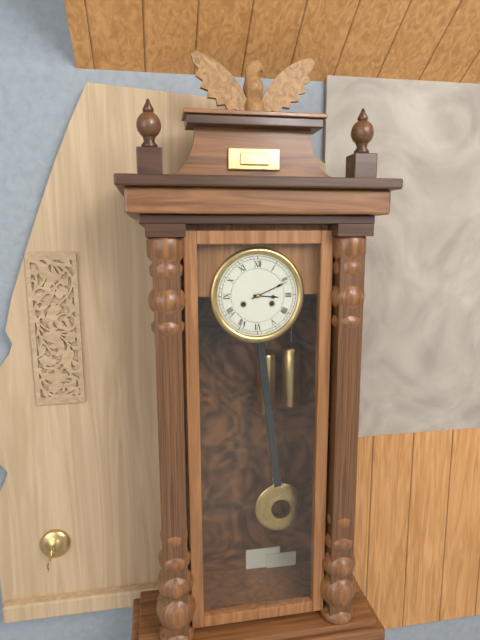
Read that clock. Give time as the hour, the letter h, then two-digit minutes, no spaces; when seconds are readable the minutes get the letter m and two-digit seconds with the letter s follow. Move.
3h11
